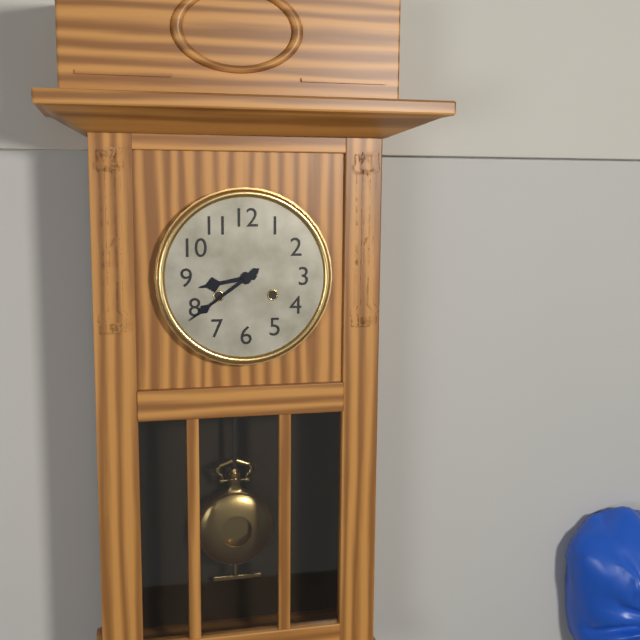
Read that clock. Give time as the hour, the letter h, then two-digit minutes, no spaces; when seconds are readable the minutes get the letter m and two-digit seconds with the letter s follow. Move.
8h39
